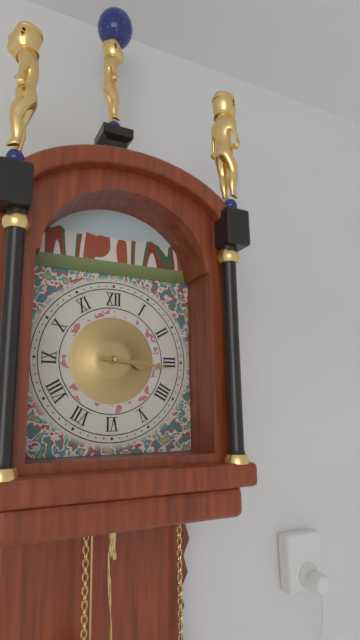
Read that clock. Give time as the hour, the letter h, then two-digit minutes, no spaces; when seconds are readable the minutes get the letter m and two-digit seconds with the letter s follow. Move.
3h16
